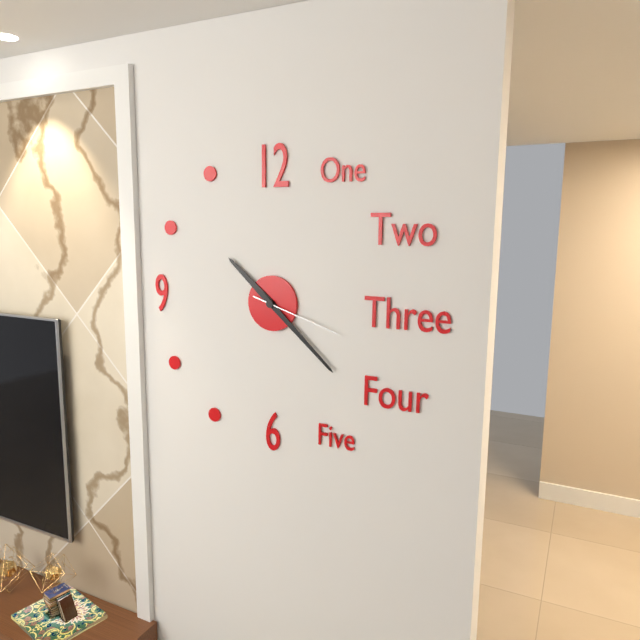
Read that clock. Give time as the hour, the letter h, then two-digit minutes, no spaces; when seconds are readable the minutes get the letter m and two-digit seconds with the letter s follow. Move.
10h22m18s
